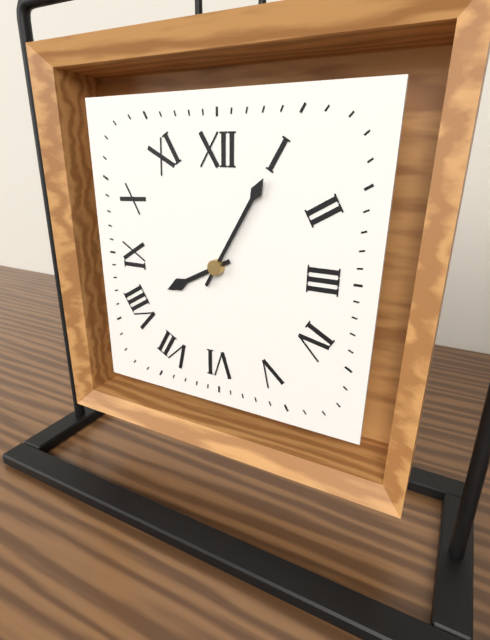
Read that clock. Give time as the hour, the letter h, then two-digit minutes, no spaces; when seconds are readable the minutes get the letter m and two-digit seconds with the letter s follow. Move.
8h05
